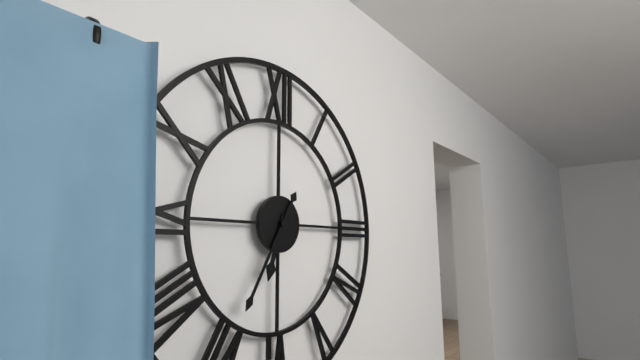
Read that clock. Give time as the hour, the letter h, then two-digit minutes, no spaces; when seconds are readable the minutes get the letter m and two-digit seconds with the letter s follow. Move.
6h35
